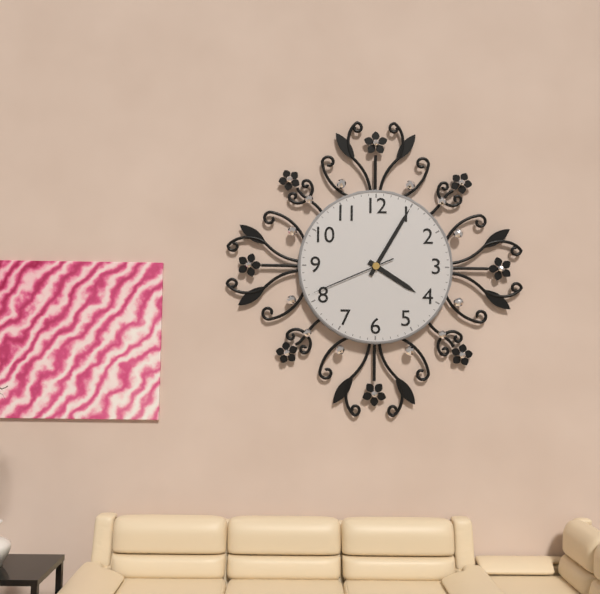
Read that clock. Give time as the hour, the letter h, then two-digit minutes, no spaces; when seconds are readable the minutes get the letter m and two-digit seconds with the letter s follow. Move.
4h05m41s
